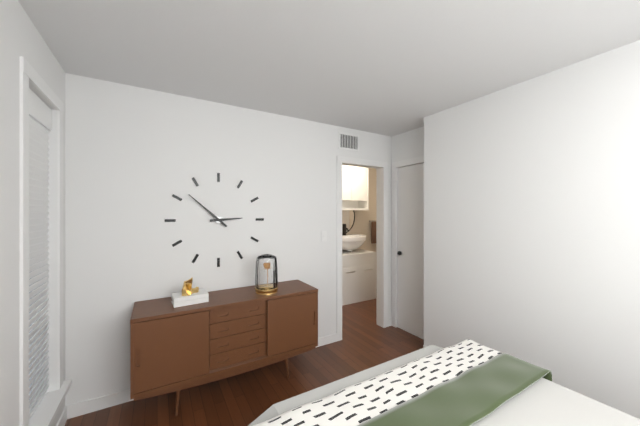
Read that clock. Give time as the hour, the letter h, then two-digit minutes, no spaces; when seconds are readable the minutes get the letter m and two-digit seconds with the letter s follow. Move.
2h52
